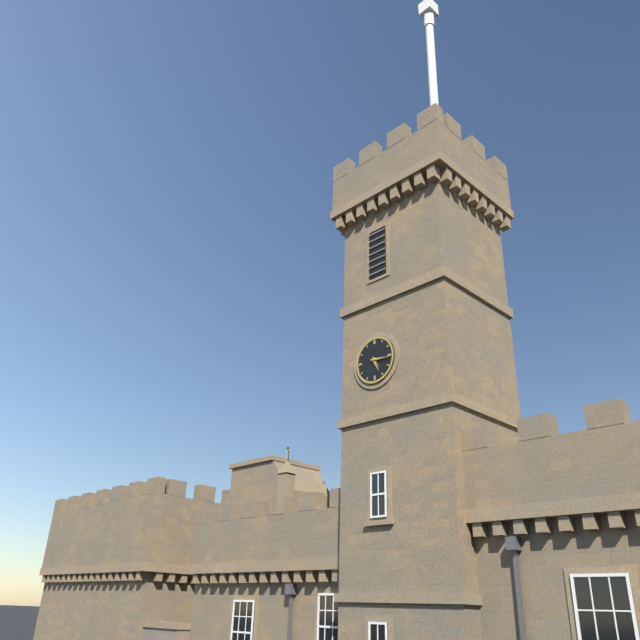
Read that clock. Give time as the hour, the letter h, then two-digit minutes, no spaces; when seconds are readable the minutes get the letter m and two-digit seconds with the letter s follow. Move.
5h16
